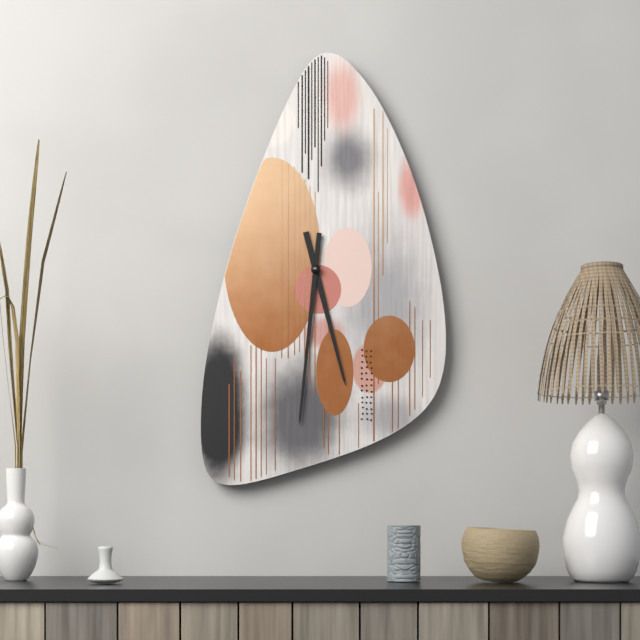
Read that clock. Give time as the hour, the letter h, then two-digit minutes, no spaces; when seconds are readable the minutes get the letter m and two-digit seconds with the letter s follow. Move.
5h31
